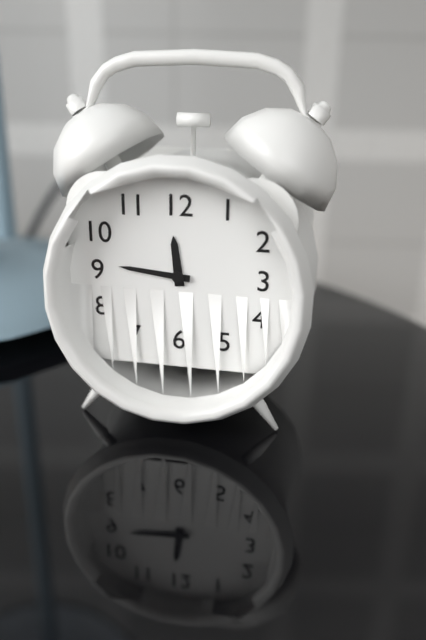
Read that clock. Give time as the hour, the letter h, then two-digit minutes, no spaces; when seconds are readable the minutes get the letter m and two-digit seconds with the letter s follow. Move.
11h46
